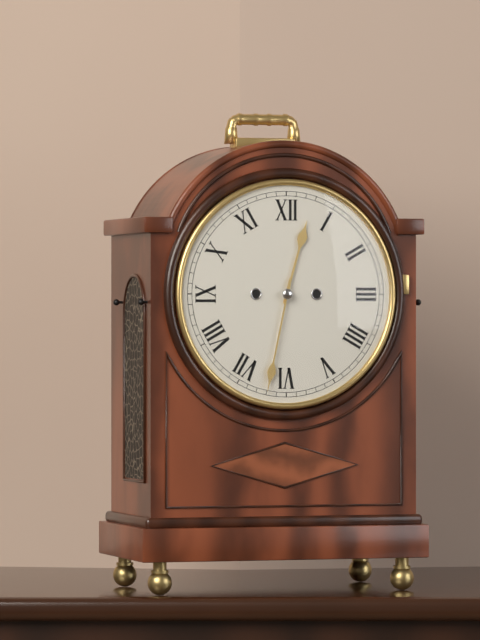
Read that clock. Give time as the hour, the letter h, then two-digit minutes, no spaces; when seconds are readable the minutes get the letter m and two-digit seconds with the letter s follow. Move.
12h32
